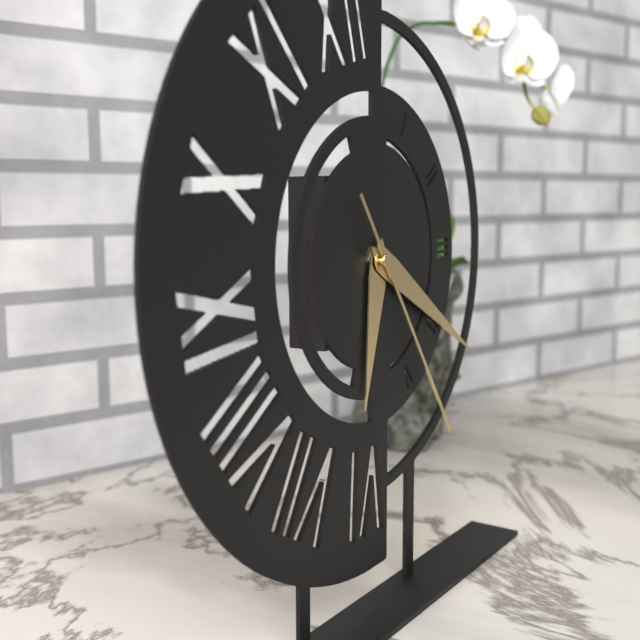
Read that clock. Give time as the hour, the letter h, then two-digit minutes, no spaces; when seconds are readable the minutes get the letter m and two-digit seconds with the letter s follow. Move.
6h20m24s
